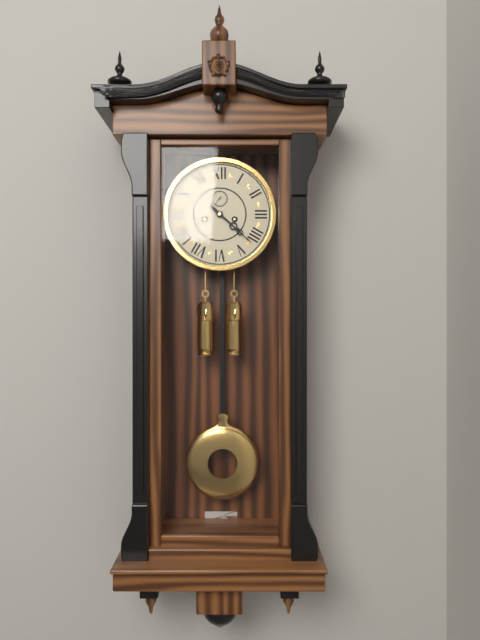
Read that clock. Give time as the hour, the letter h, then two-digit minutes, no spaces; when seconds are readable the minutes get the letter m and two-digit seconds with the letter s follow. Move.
4h22
